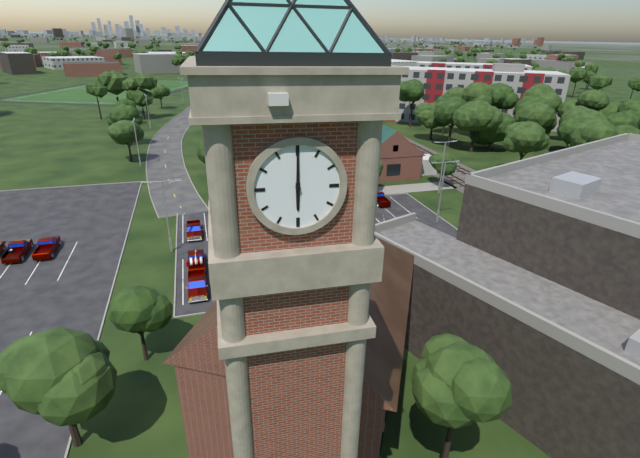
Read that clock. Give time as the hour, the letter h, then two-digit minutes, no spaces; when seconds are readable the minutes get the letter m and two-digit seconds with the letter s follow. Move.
6h00
